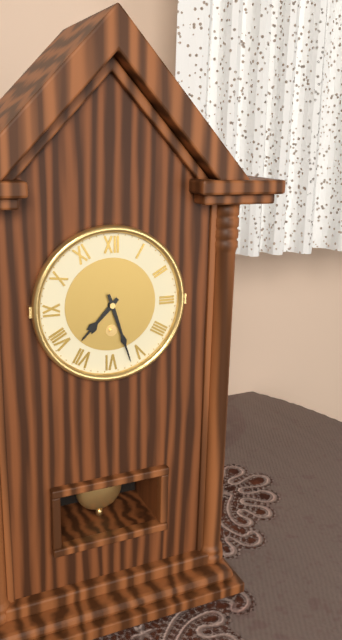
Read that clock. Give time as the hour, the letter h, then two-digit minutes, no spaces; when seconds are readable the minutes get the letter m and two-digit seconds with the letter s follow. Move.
7h27
